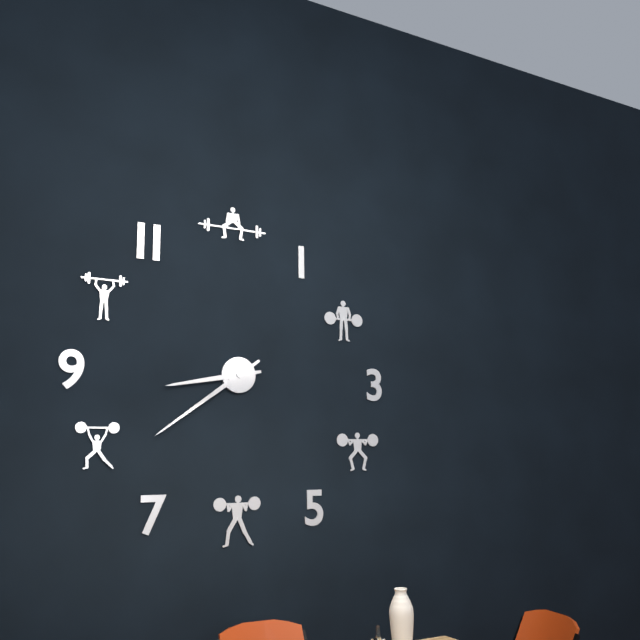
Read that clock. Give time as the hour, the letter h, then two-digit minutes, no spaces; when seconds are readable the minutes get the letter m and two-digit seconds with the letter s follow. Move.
8h39
